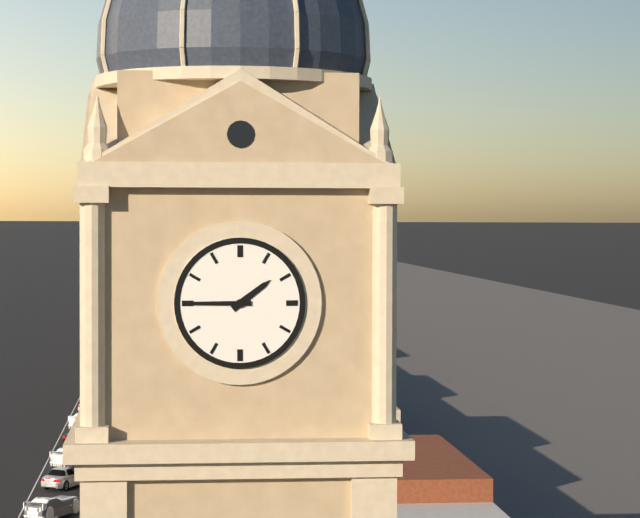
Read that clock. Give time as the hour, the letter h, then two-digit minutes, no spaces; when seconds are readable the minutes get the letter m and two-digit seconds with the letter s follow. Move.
1h45
